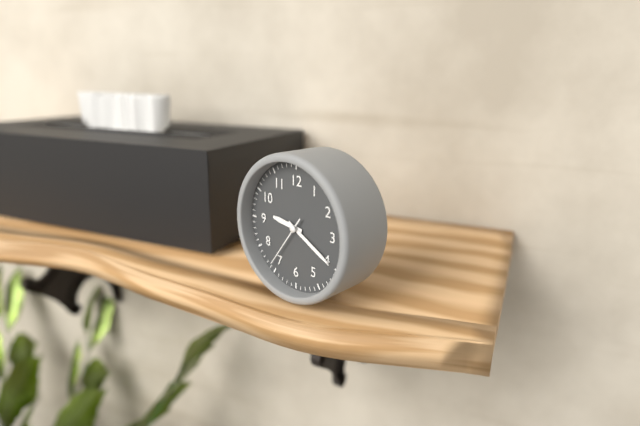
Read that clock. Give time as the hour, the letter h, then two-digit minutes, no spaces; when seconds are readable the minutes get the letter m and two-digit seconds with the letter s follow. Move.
9h20m36s
